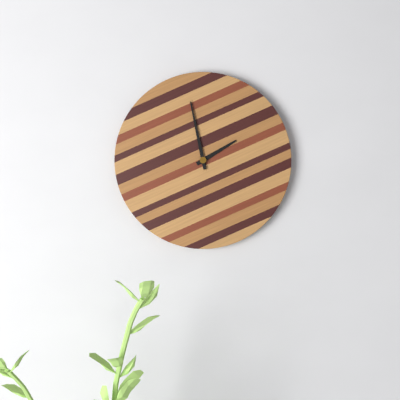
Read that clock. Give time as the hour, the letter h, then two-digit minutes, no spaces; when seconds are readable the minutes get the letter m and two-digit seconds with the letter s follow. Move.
1h58
